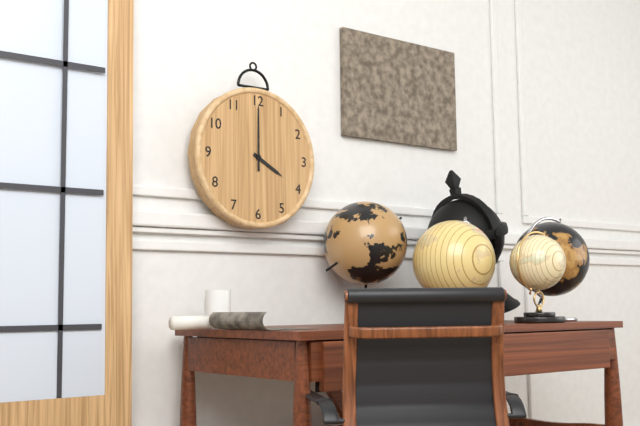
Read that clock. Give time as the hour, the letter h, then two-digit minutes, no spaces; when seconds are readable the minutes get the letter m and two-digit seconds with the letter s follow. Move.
4h00
